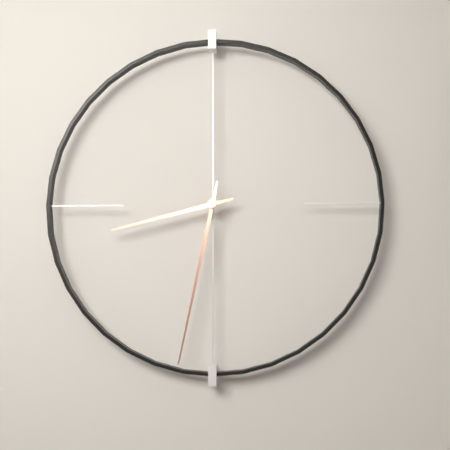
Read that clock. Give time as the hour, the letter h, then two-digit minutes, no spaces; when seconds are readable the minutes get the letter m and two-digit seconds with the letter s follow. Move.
8h32
